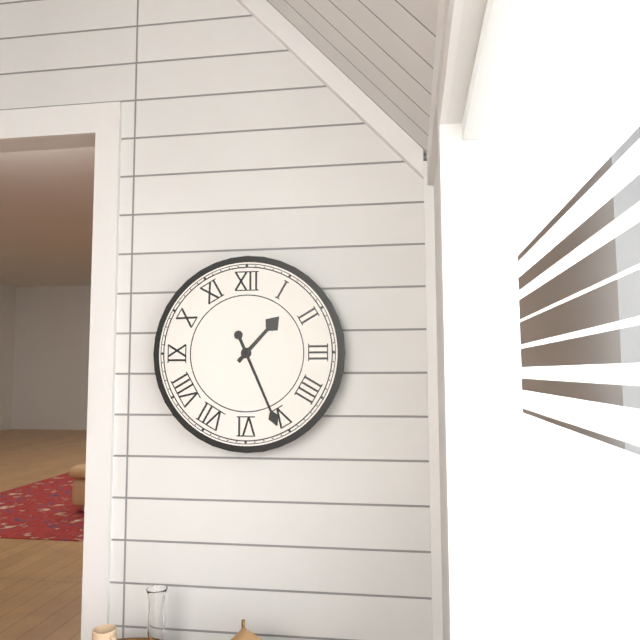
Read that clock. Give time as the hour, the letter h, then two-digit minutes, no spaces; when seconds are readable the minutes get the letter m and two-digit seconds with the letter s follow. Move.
1h26
